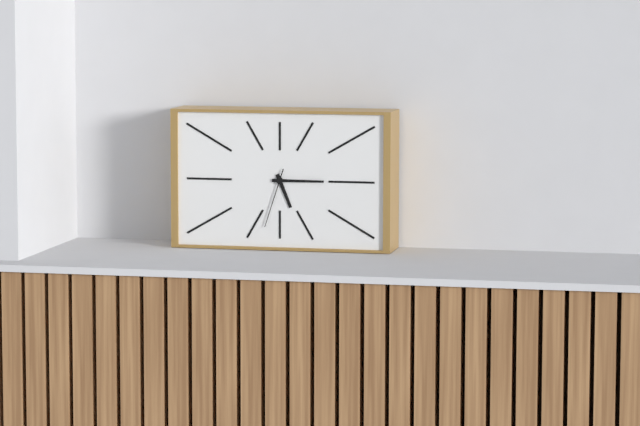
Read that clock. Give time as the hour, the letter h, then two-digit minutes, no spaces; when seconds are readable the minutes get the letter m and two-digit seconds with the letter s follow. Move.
5h15m33s
